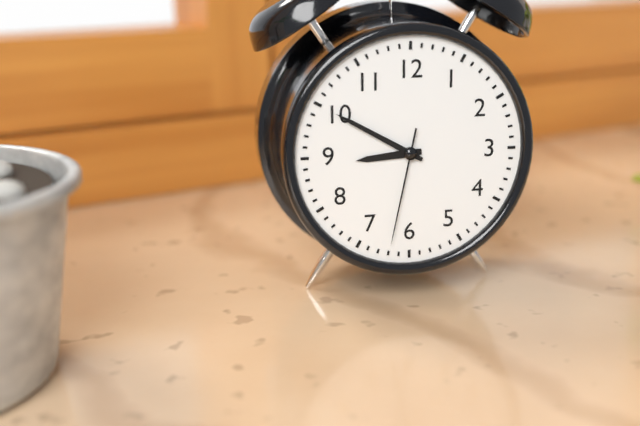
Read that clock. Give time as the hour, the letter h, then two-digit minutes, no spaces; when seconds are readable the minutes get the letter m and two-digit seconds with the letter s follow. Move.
8h50m32s
